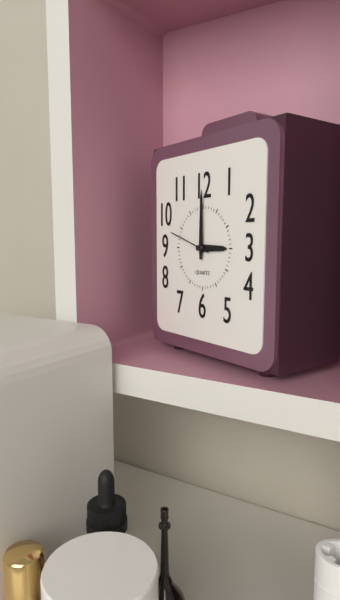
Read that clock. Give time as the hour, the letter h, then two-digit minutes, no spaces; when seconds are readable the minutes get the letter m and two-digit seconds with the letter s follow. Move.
3h00
